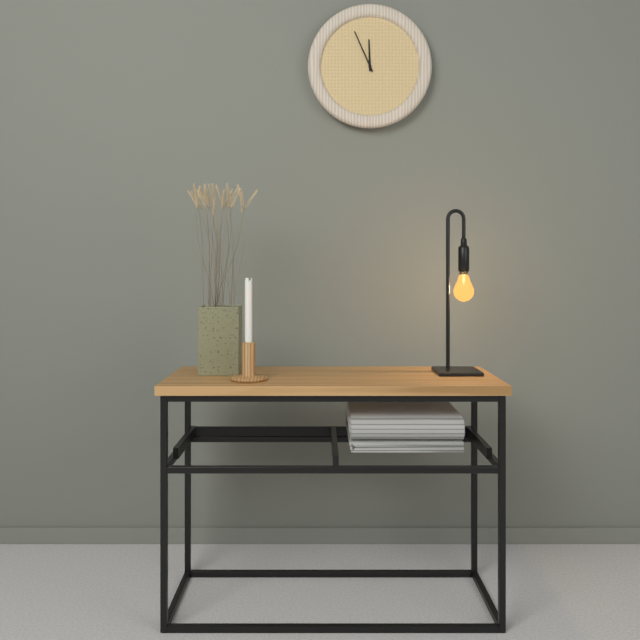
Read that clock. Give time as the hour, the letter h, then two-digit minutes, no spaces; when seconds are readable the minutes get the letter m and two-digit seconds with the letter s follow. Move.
11h56
